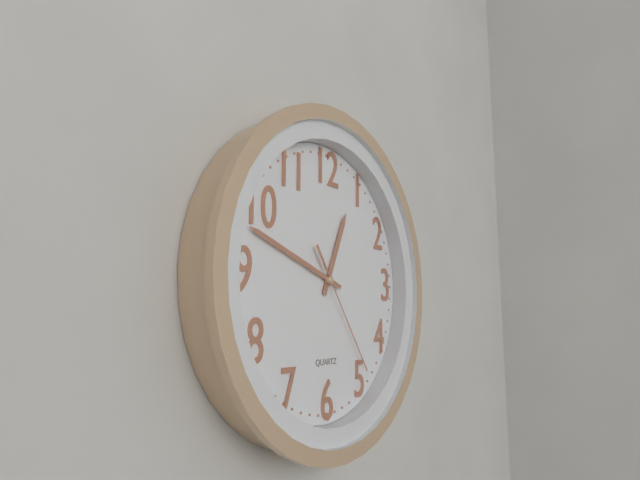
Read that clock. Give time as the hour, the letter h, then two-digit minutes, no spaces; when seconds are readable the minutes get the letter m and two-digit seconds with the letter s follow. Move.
12h48m24s
